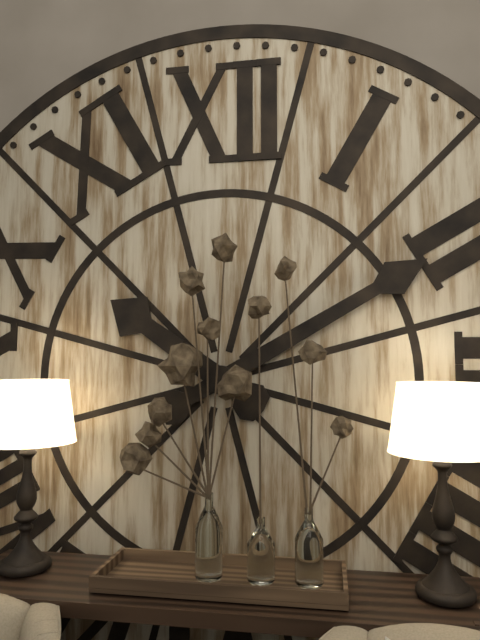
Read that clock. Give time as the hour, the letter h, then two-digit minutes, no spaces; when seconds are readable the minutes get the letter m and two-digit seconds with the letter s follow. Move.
10h10
